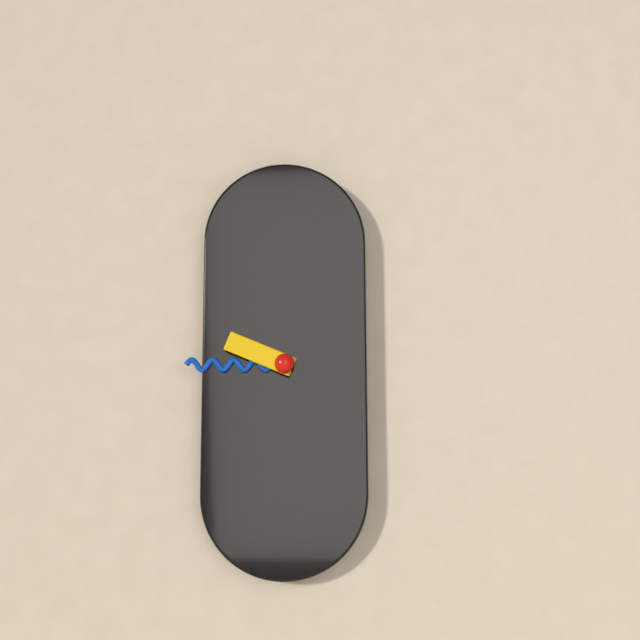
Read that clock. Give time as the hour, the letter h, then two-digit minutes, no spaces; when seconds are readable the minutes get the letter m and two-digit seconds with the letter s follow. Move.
9h45
